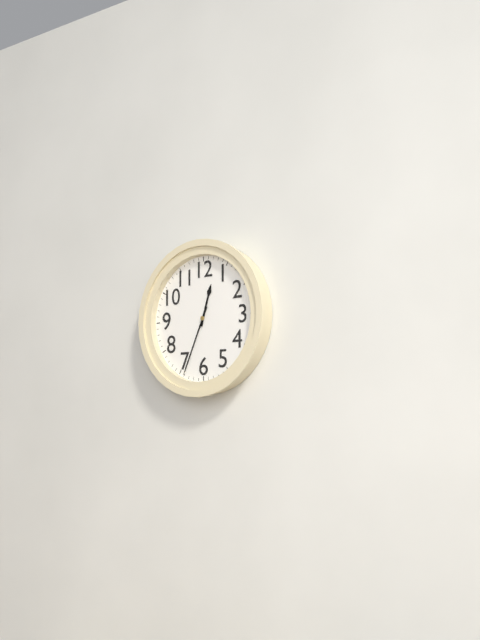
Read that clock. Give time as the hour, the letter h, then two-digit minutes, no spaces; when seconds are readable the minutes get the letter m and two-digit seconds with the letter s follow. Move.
12h34
